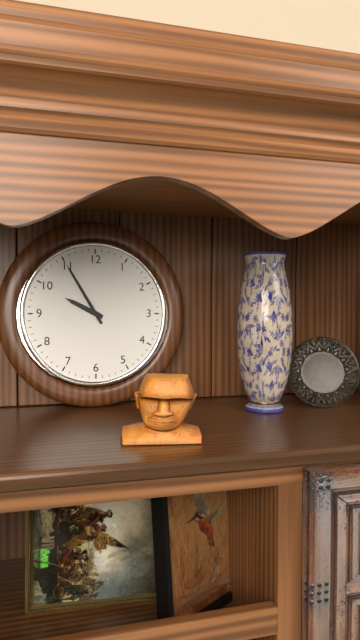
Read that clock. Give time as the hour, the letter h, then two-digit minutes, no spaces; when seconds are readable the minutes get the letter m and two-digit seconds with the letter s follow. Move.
9h55
